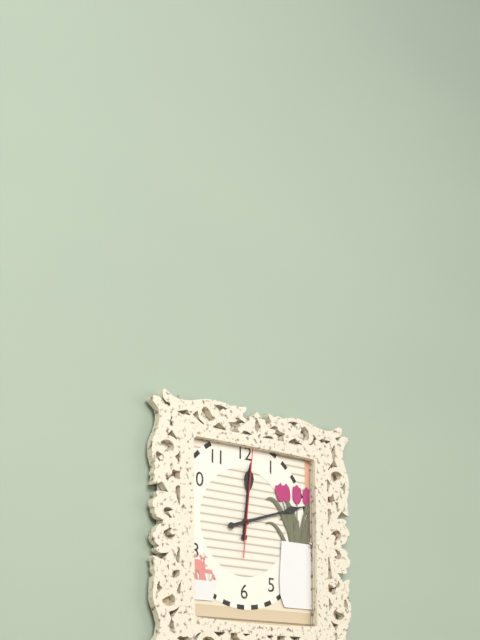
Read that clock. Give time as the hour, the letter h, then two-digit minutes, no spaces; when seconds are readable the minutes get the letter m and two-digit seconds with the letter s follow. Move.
12h12m01s
